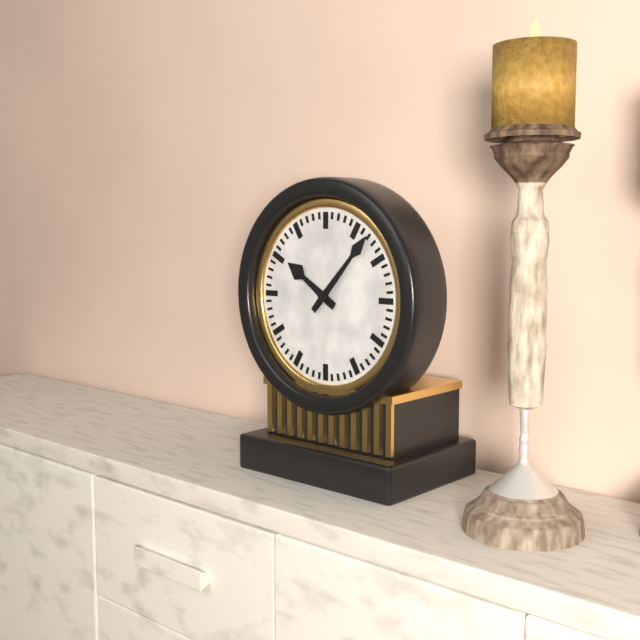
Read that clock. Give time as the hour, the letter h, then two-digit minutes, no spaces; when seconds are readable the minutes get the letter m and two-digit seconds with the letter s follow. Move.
10h07
